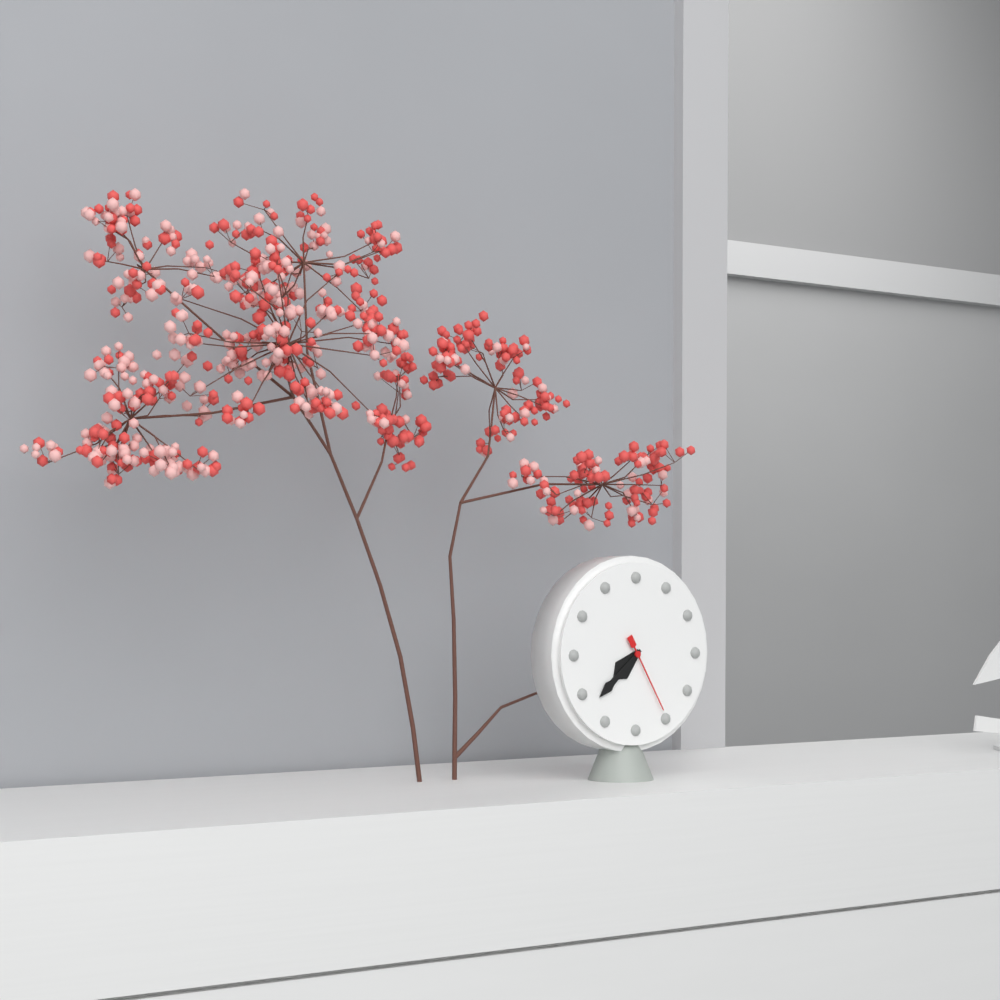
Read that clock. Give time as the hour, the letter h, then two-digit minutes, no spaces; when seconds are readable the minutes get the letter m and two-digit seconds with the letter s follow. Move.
7h38m25s
